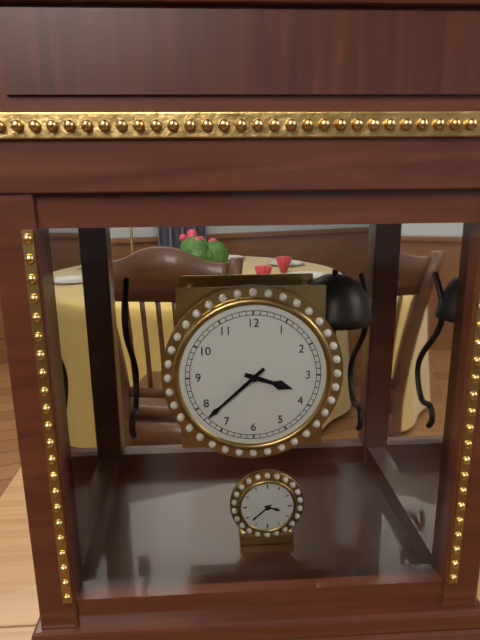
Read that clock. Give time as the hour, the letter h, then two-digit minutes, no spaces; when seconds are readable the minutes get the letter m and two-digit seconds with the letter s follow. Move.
3h38
